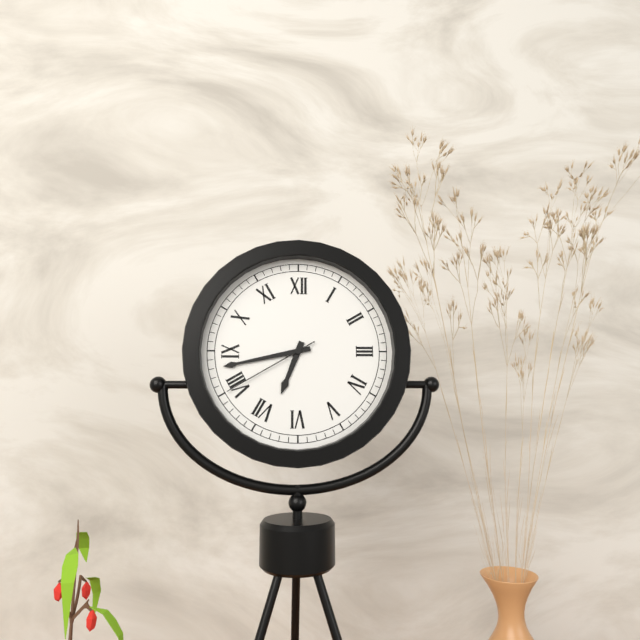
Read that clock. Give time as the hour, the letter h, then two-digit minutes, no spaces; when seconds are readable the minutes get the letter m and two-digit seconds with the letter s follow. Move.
6h43m40s
